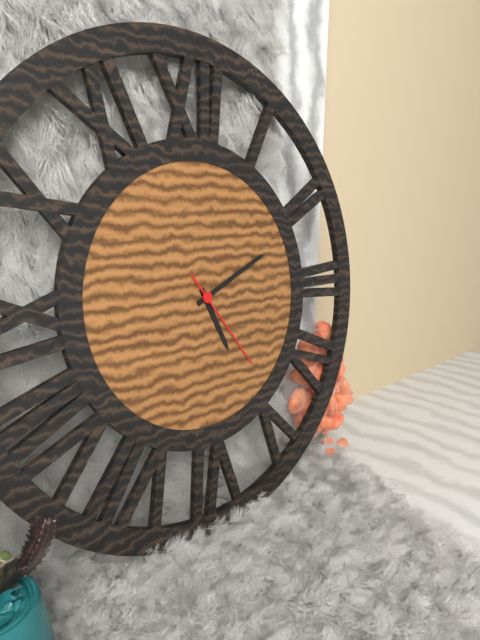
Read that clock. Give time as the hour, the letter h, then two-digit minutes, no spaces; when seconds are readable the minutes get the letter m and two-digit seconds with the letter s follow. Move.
5h11m24s
